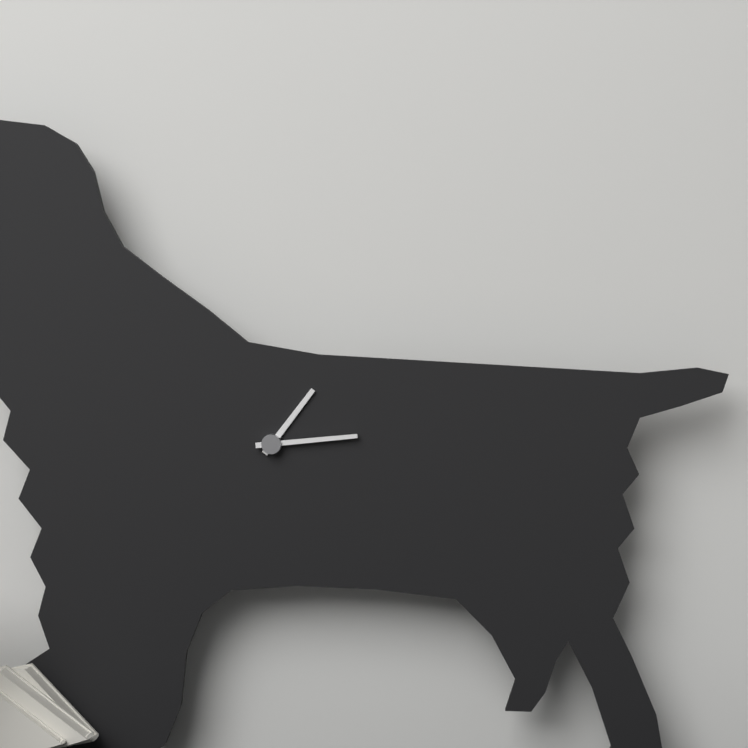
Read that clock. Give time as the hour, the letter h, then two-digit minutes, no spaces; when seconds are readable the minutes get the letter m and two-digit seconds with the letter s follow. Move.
1h14
